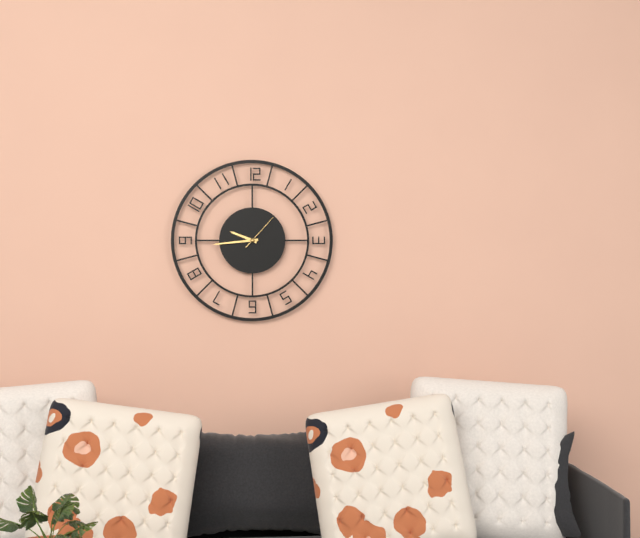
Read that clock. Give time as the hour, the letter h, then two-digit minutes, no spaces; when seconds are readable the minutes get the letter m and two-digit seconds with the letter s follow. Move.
9h44
